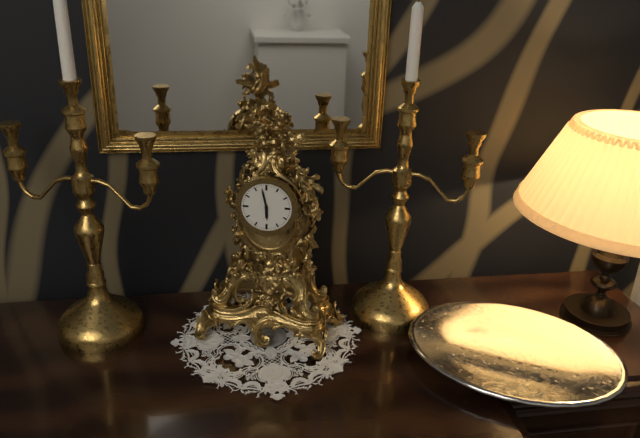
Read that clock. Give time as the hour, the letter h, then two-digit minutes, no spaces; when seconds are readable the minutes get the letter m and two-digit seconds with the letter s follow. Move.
5h58
